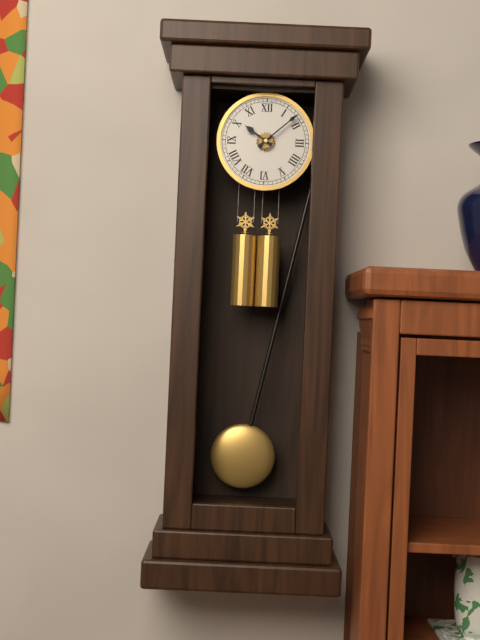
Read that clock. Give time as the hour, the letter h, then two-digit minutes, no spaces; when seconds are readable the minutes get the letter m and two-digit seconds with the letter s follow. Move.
10h08
